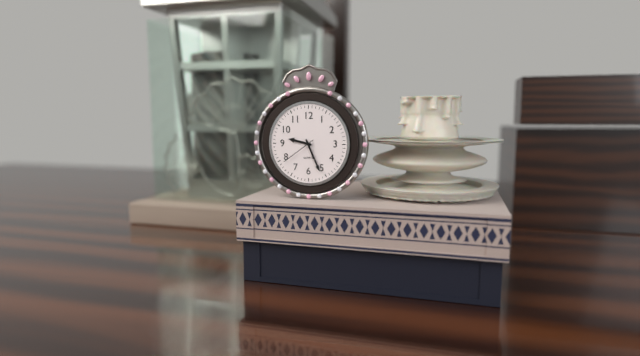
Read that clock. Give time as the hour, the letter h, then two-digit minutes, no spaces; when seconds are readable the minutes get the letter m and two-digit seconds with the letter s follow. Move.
9h26
